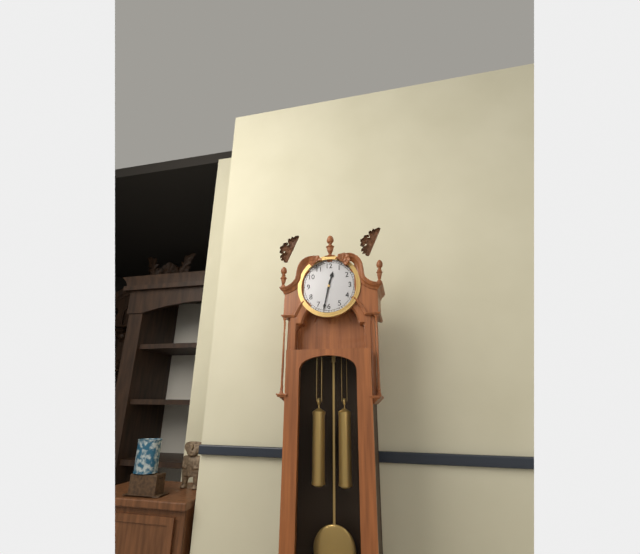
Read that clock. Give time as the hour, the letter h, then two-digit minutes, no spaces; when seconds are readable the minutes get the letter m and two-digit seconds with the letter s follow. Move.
12h32
